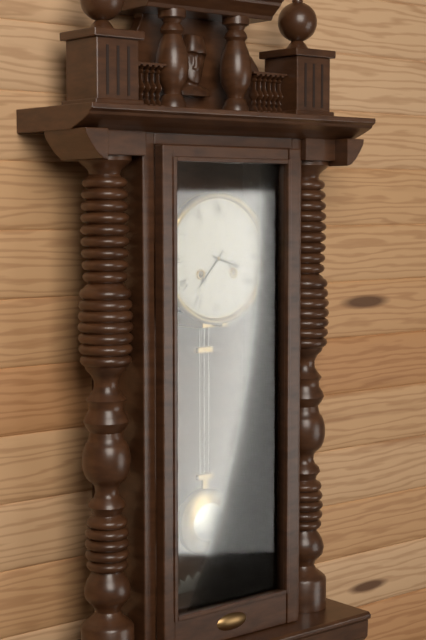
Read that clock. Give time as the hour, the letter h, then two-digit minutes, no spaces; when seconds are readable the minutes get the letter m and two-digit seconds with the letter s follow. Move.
3h37
